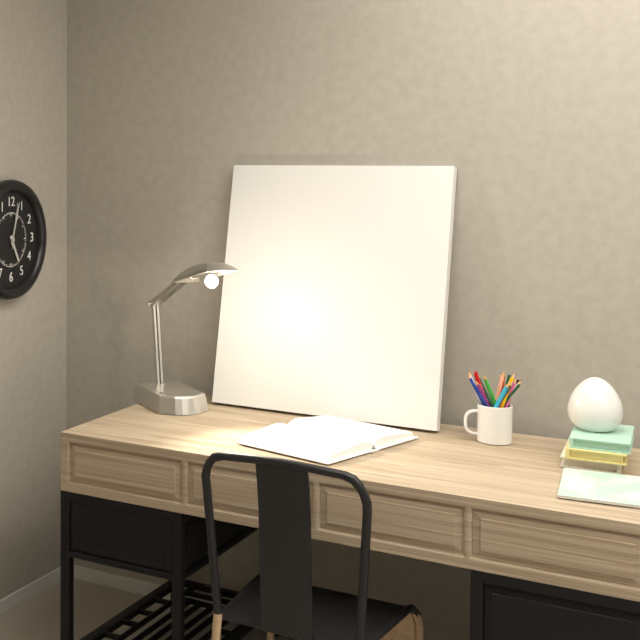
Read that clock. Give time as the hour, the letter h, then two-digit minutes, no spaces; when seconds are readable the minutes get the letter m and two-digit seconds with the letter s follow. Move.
5h03
